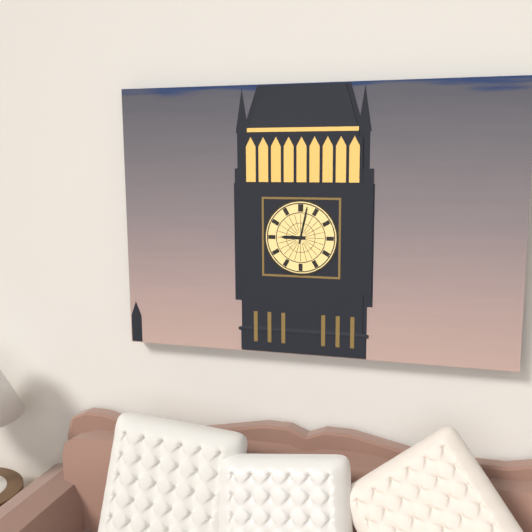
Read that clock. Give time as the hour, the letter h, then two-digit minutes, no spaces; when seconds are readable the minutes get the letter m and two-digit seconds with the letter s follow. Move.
9h02
